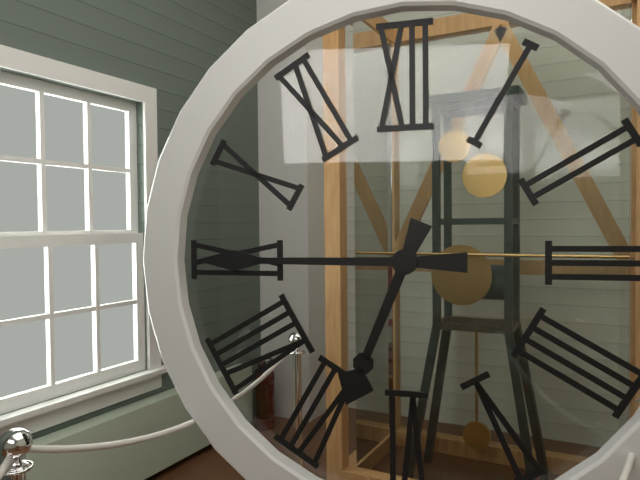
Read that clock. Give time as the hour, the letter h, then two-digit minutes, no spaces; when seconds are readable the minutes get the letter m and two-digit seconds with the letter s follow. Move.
6h45
